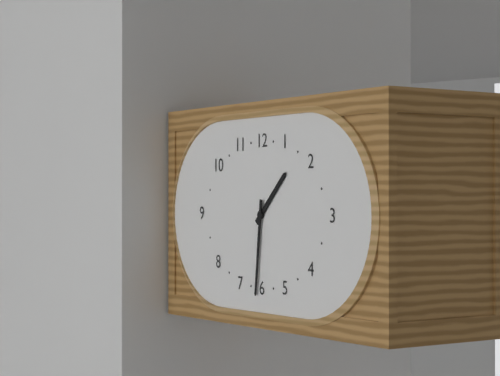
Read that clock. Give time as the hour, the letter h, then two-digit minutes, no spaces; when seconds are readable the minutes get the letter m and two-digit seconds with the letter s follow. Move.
1h31
